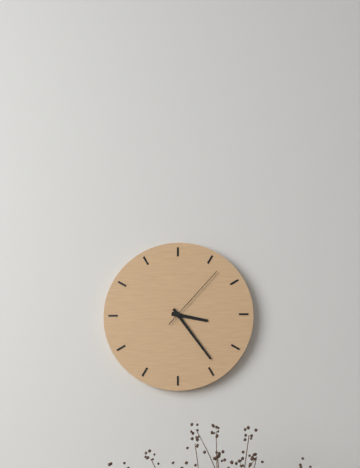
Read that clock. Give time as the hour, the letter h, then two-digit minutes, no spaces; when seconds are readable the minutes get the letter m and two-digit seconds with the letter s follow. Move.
3h24m07s
